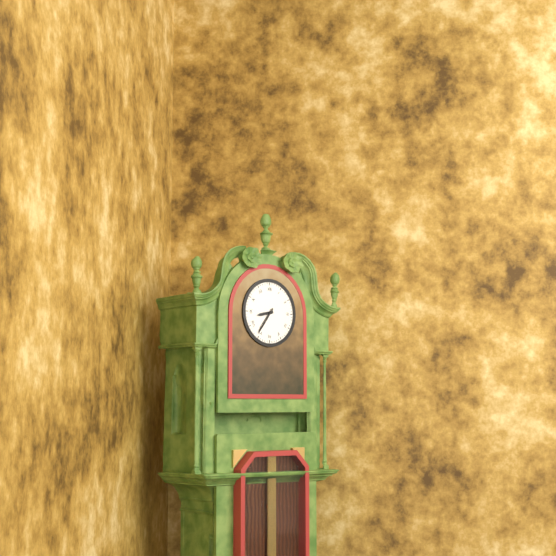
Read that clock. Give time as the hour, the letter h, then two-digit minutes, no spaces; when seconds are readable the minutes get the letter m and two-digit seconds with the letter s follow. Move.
8h36
